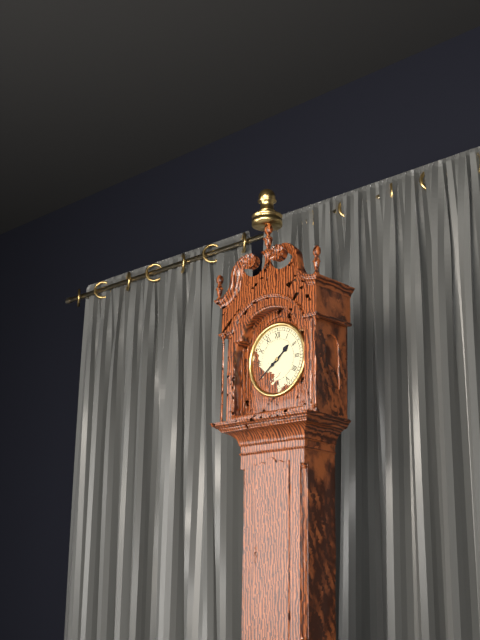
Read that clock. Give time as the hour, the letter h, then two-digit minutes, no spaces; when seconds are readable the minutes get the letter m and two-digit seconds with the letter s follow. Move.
1h39
